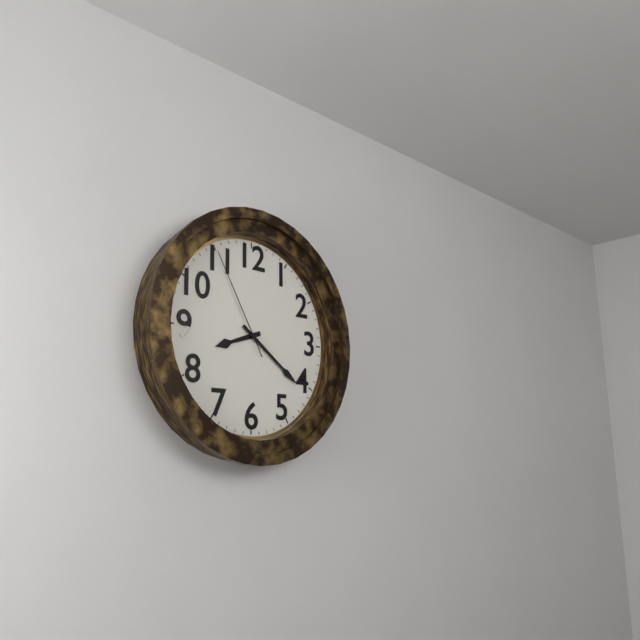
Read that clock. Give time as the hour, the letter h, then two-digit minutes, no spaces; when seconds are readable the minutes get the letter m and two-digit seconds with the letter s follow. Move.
8h21m55s
